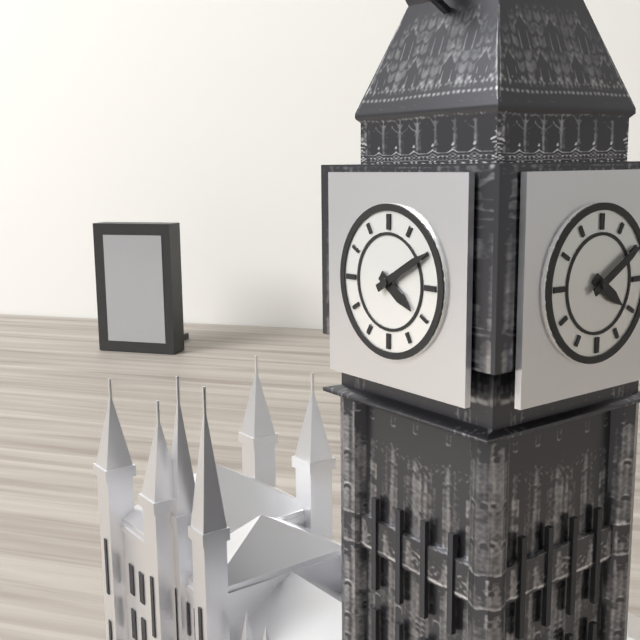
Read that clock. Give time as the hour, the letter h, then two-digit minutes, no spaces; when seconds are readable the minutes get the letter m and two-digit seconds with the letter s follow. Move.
4h10
